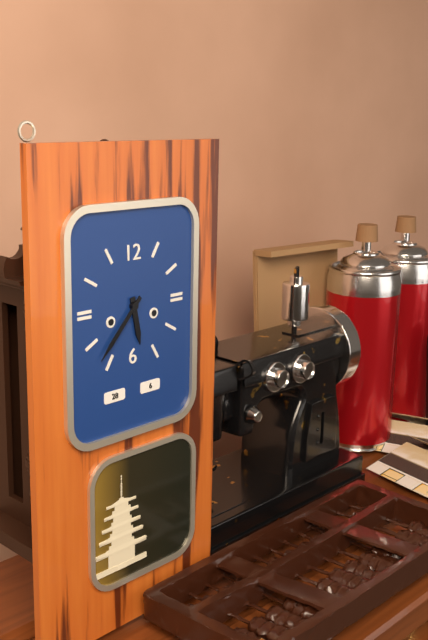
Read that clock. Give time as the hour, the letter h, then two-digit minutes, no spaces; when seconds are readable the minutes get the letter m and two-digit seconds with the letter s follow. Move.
5h37
